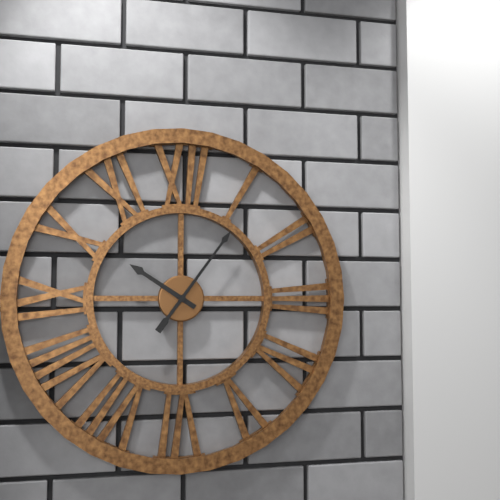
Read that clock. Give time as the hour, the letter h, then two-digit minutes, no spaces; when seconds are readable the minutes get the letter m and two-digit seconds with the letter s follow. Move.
10h06
